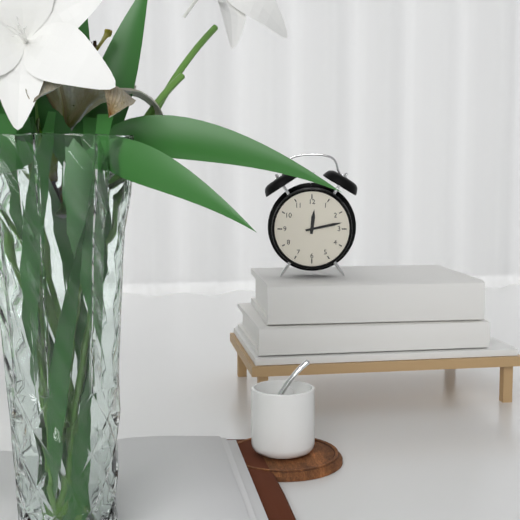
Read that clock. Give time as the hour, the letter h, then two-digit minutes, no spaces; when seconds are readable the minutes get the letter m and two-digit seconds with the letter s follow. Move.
12h13
